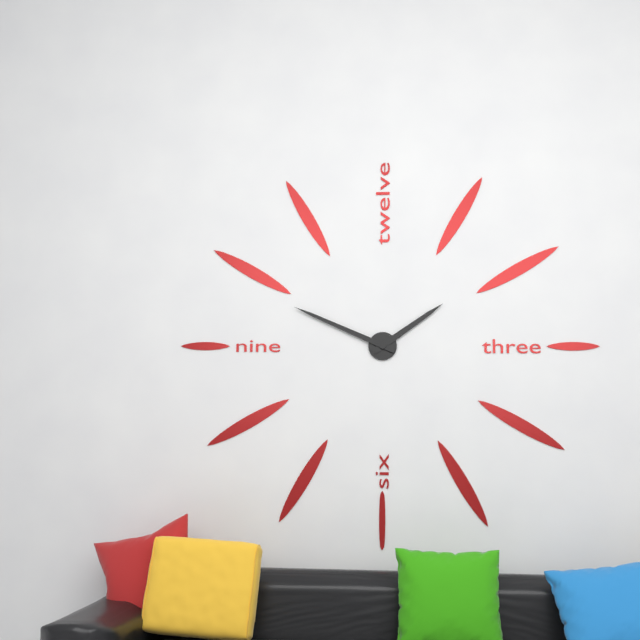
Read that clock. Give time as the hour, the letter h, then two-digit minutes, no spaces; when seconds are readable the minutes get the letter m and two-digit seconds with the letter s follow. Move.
1h49
